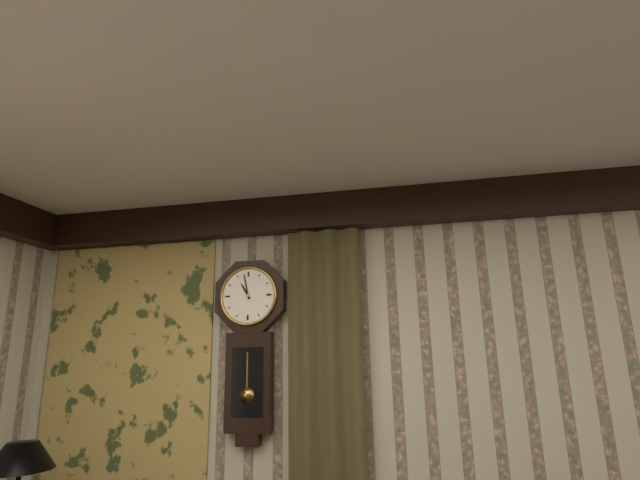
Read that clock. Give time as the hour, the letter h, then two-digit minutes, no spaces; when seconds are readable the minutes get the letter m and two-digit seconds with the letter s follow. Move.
10h58
